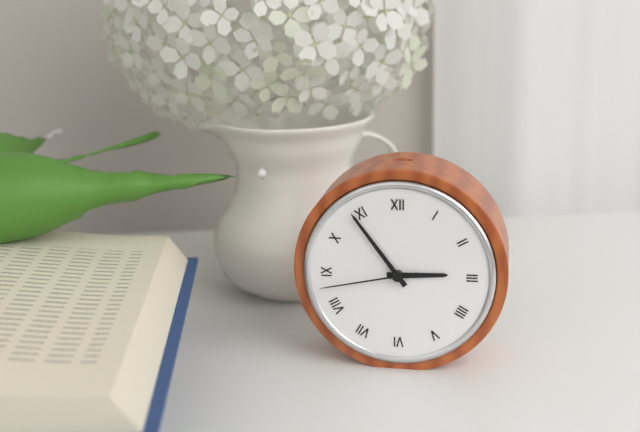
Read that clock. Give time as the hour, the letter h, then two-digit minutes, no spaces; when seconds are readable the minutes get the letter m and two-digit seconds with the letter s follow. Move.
2h54m43s
